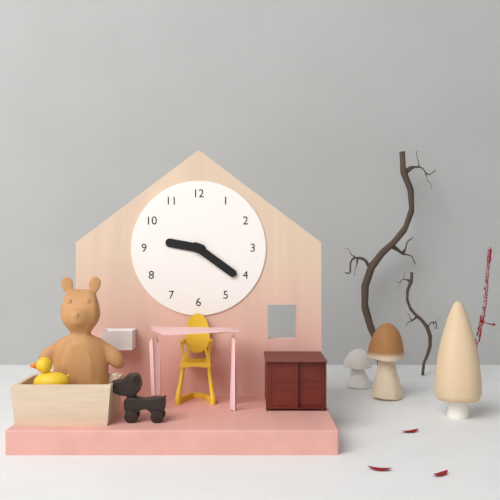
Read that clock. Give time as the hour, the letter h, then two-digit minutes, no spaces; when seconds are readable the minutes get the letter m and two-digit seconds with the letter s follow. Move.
9h21
